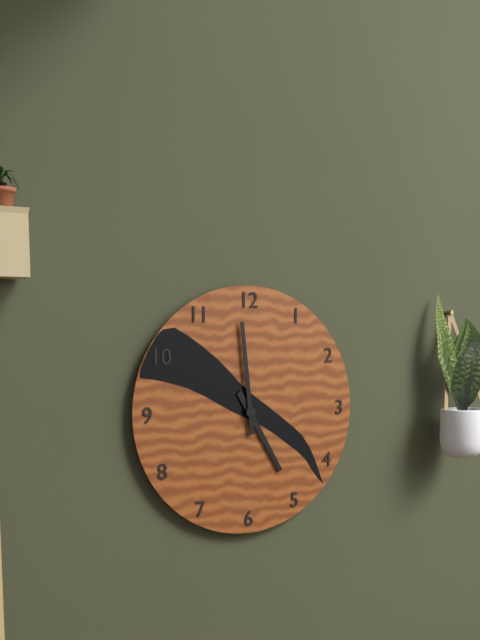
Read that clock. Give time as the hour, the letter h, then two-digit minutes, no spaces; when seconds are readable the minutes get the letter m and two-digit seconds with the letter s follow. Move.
4h59
